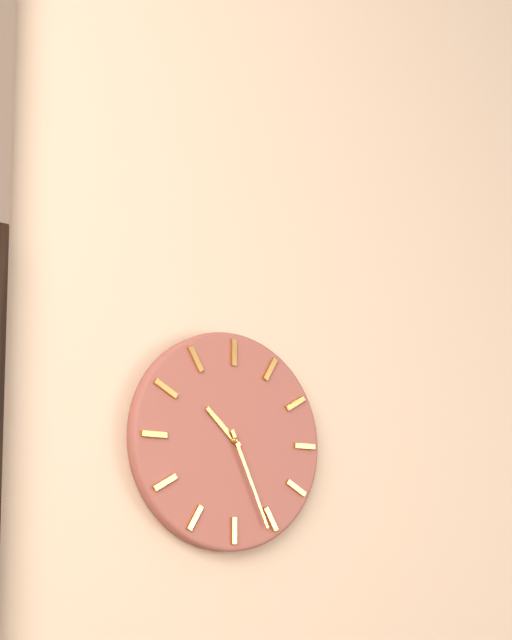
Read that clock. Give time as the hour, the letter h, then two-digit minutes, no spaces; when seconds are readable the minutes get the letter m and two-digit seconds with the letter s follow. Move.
10h26
